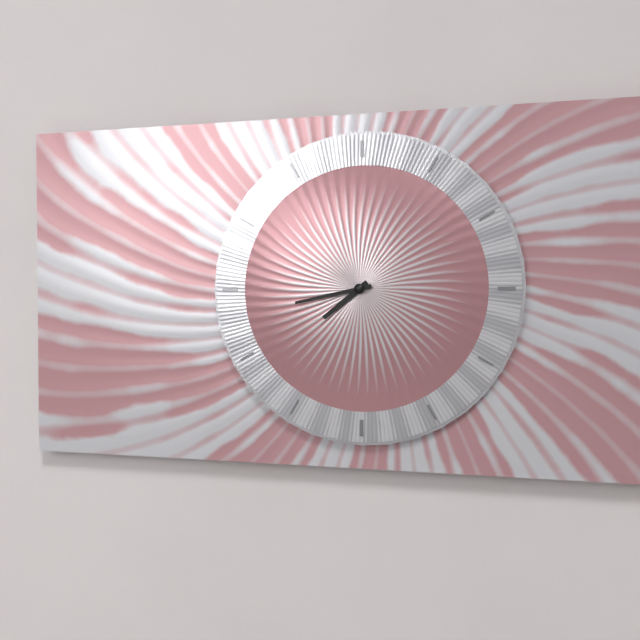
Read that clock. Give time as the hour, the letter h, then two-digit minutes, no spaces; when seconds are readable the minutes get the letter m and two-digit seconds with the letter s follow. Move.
7h43
